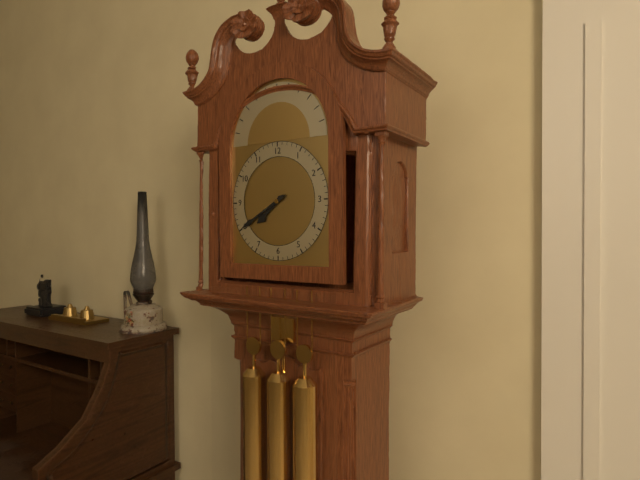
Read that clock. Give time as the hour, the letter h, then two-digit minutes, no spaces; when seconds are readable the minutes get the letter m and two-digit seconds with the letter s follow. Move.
7h40
